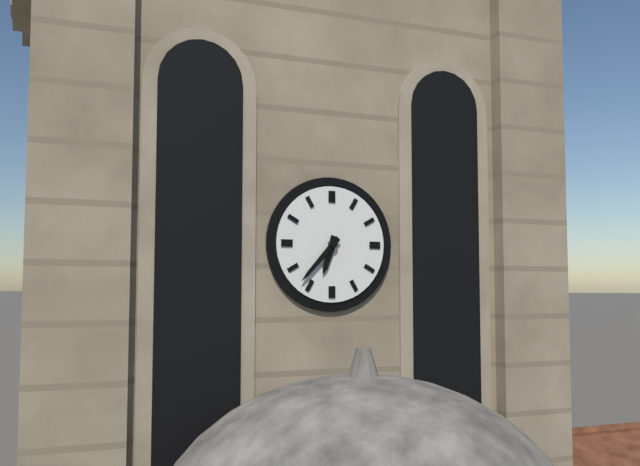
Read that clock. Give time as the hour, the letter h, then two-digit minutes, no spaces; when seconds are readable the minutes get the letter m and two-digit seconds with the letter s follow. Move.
6h37
